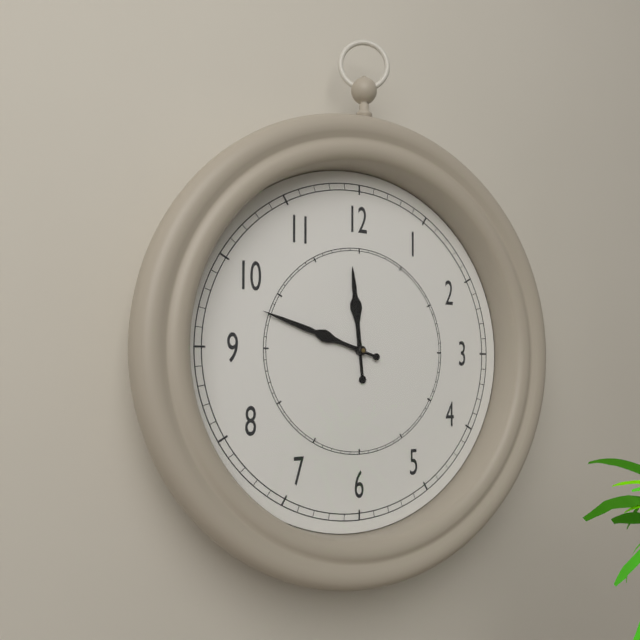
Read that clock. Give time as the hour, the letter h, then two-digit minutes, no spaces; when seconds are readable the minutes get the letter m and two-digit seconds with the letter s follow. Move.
11h48
